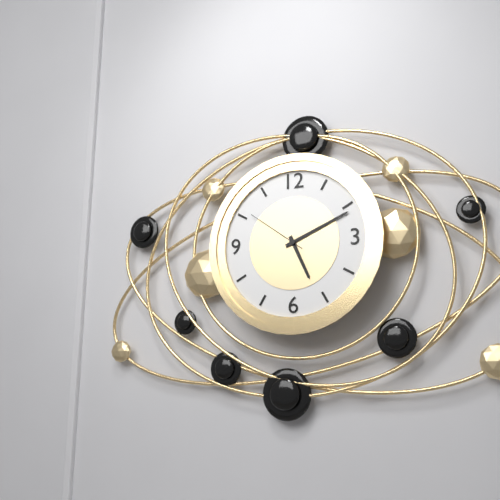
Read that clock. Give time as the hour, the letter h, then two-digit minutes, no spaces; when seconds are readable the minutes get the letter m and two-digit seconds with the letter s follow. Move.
5h11m51s
